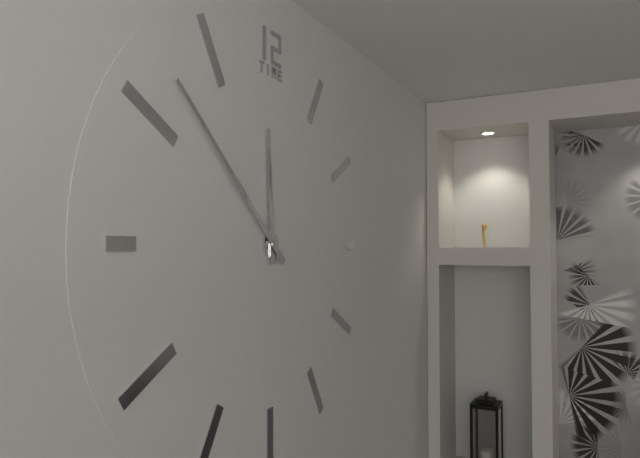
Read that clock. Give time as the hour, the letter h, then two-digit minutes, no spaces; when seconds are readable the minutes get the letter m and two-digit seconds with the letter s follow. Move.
11h52
